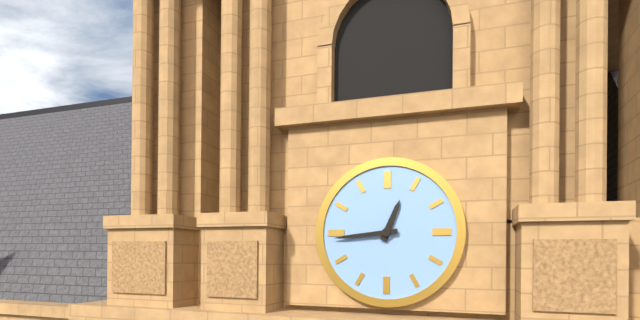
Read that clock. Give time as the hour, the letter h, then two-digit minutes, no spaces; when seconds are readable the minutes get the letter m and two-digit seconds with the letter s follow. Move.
12h44
